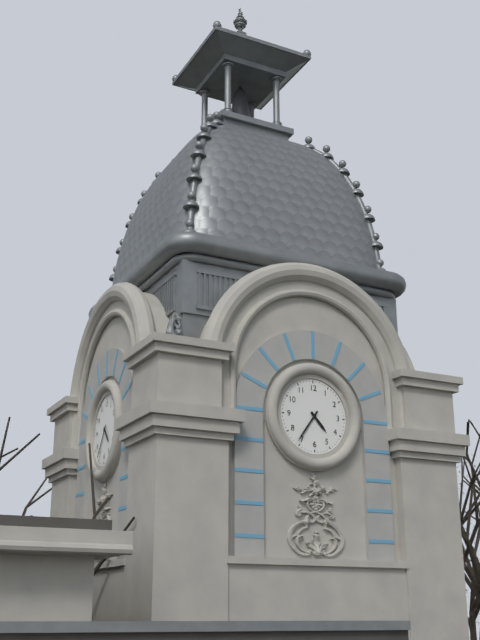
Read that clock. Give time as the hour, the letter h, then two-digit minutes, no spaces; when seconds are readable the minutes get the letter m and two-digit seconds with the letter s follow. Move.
4h36
